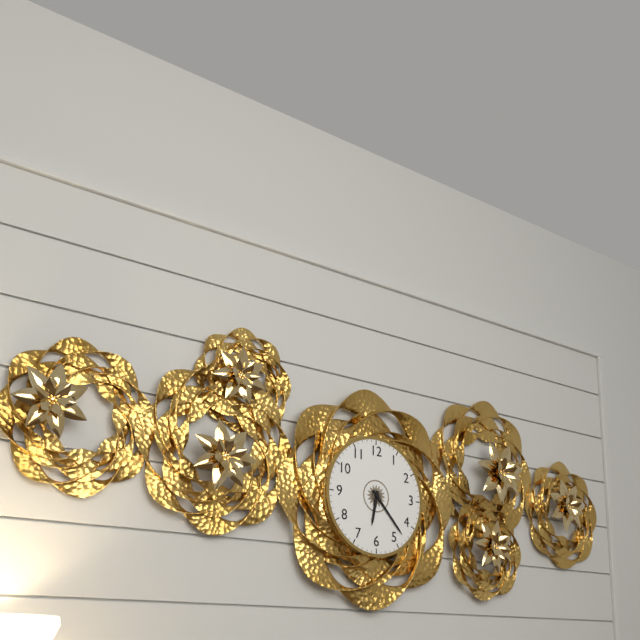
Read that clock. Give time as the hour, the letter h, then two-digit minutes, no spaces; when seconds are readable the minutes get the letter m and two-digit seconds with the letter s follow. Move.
6h23
